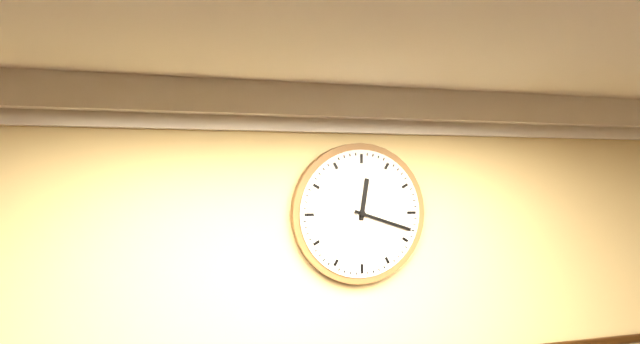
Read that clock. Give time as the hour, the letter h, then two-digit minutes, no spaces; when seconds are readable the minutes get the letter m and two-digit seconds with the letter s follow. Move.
12h18
